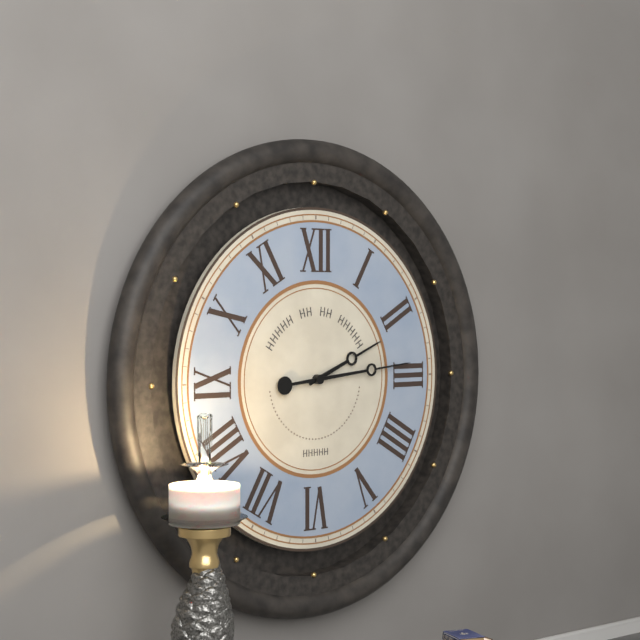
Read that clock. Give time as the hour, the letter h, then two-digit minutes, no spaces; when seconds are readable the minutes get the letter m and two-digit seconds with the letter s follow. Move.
2h14
